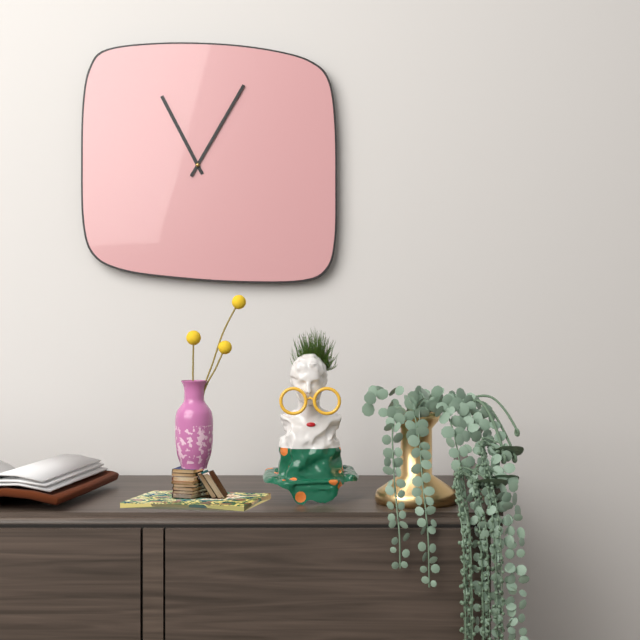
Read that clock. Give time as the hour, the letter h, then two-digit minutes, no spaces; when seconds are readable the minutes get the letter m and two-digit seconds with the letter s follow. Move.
11h05
